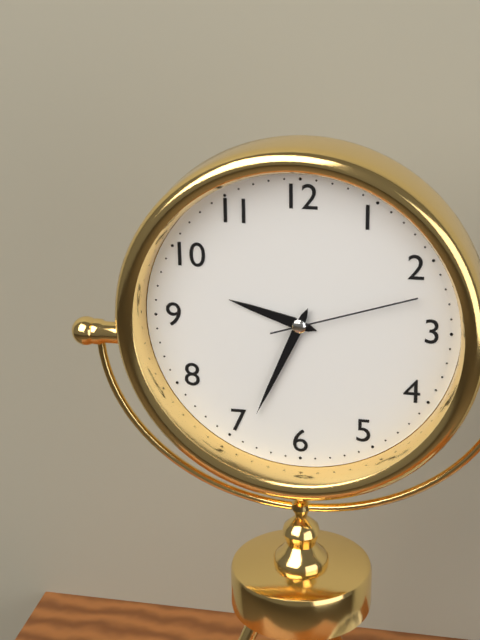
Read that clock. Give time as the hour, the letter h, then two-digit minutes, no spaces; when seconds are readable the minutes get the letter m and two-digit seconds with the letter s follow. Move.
9h34m12s
